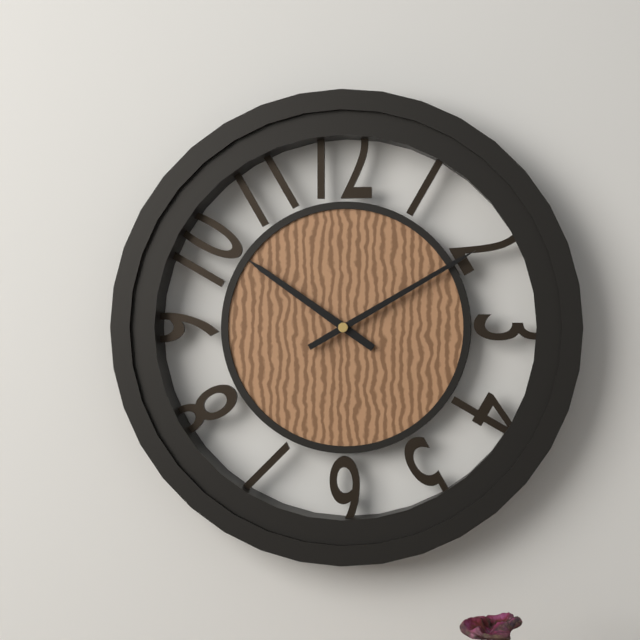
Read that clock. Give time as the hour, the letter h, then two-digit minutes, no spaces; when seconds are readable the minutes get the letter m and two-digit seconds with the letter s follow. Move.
10h10
